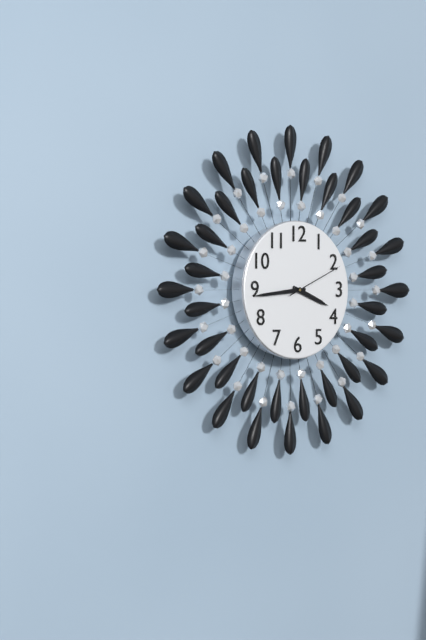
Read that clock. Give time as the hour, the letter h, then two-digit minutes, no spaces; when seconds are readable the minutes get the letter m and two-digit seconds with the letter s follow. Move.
3h44m11s
